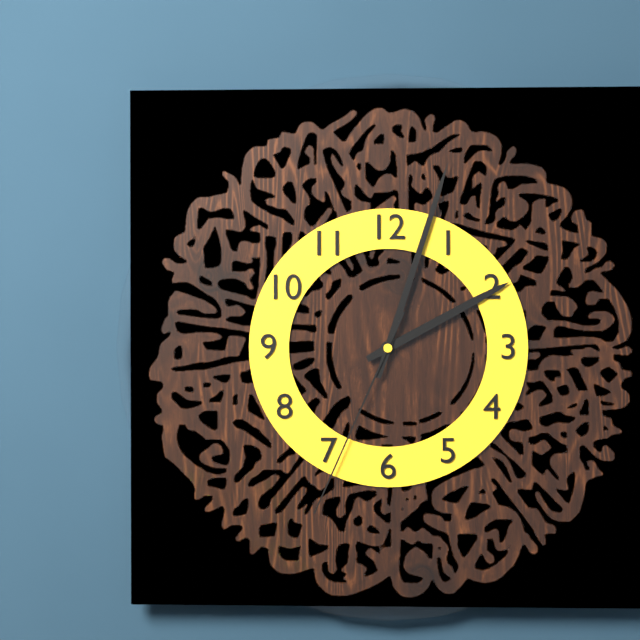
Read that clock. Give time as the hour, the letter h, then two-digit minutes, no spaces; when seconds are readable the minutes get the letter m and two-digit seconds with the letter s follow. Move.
2h03m34s
